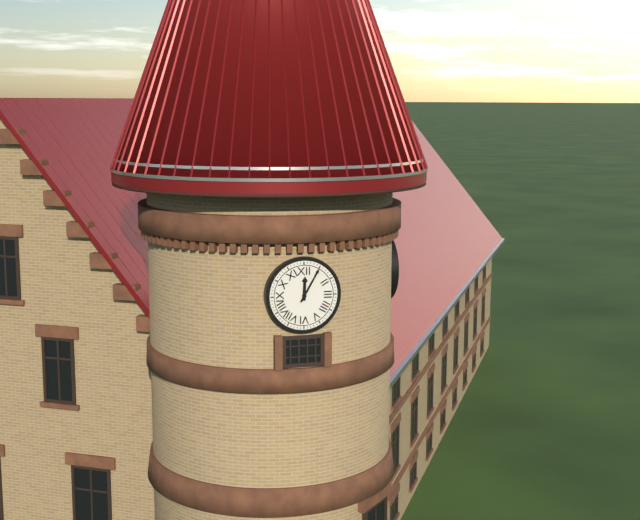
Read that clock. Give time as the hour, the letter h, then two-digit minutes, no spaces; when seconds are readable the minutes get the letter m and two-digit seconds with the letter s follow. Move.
12h05
